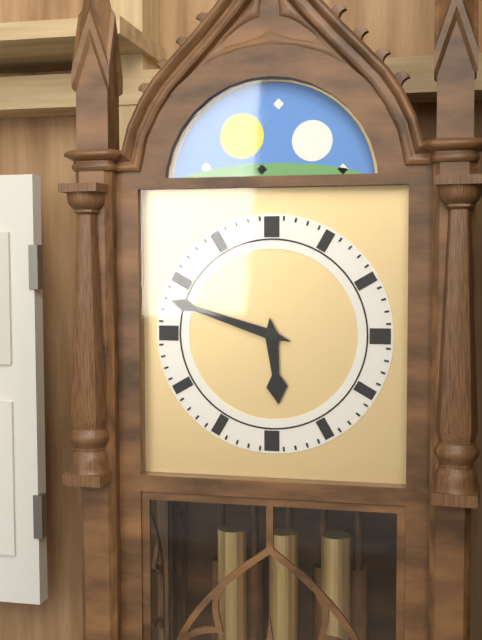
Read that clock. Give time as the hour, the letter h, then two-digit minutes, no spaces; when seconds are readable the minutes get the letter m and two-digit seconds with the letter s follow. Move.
5h48
